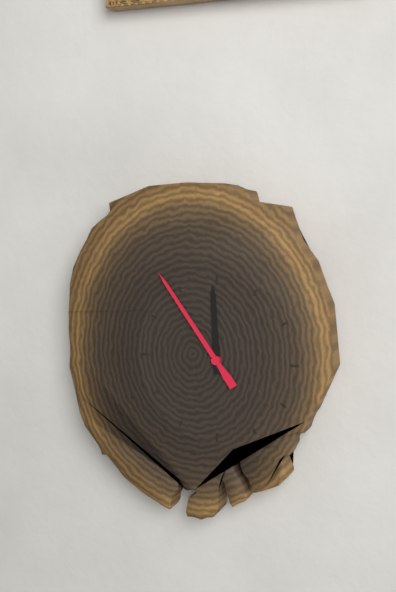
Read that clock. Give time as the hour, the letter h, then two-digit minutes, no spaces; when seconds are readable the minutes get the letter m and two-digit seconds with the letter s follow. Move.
11h54
